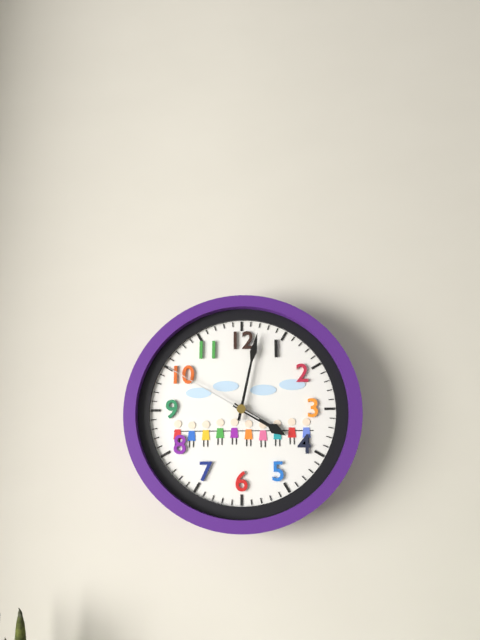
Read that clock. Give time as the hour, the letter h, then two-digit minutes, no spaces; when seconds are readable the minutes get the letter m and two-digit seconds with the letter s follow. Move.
4h02m50s
